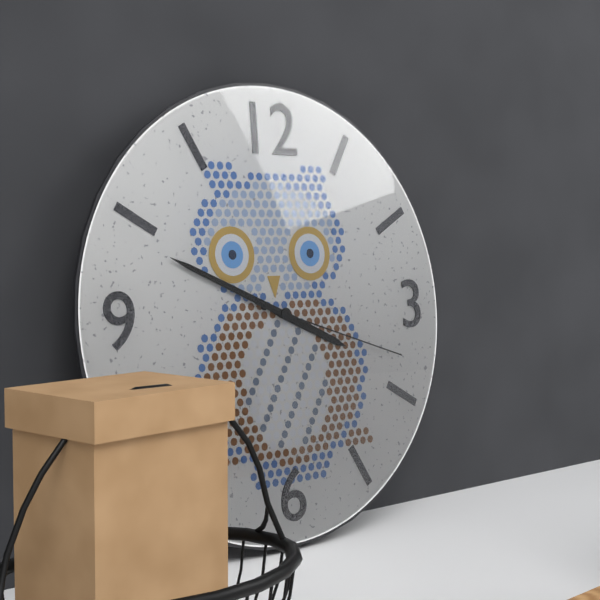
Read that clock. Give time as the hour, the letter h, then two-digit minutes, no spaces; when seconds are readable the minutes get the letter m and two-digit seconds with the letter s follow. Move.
3h49m18s
